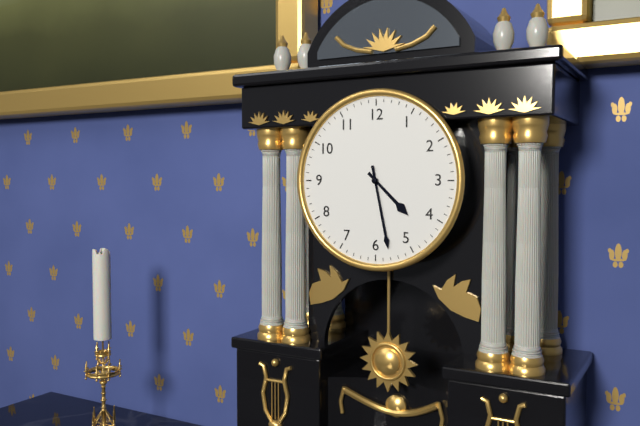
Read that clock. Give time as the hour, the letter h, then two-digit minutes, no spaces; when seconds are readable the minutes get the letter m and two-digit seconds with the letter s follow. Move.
4h28
